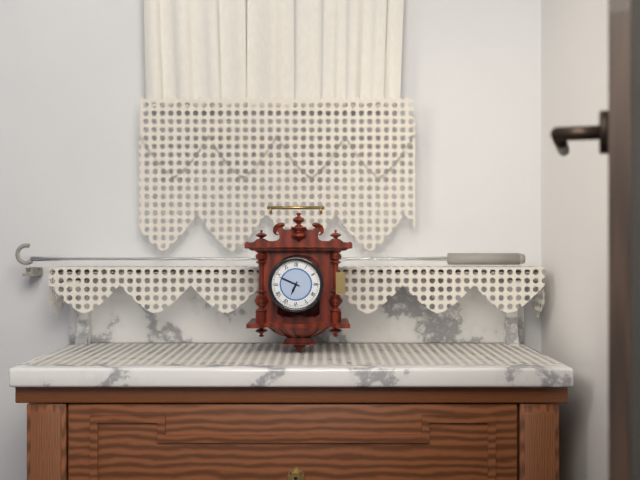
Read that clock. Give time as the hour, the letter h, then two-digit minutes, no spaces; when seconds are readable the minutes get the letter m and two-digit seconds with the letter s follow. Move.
6h49
